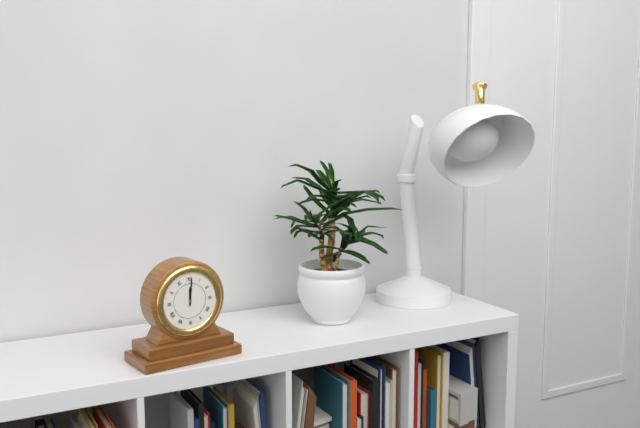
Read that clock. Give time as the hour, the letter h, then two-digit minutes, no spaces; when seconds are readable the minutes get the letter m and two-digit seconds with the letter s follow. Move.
12h01
